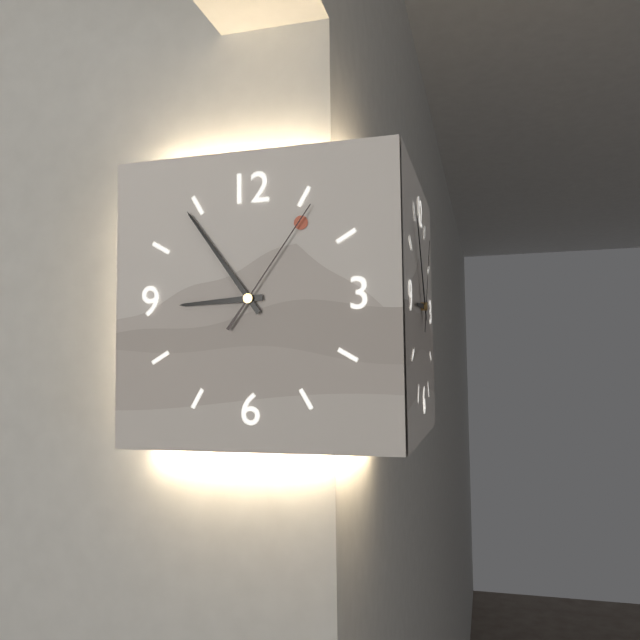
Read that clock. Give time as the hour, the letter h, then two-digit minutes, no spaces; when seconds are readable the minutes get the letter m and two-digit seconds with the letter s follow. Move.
8h54m06s
